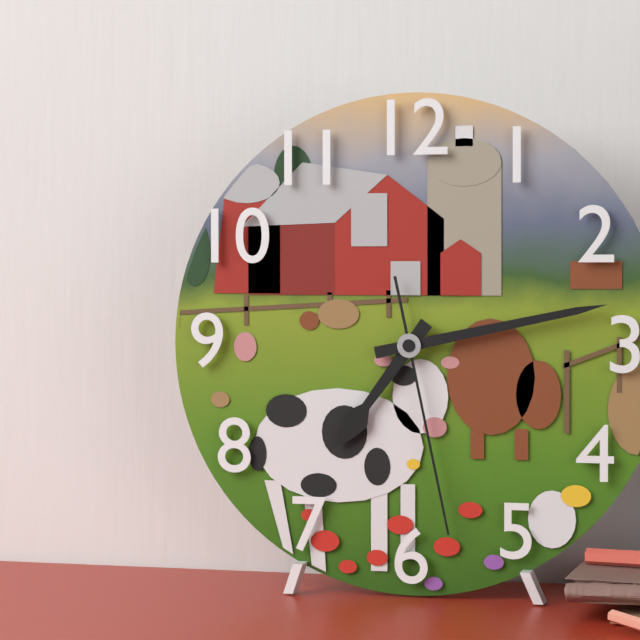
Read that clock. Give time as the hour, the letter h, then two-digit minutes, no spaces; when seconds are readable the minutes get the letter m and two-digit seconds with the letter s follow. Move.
7h13m28s
